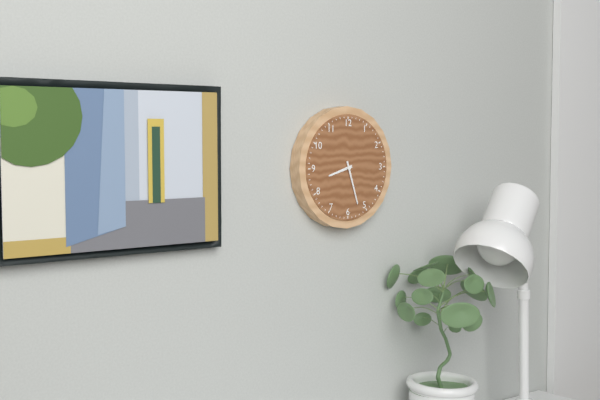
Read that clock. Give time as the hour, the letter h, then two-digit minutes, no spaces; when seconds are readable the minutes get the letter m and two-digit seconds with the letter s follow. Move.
8h27
